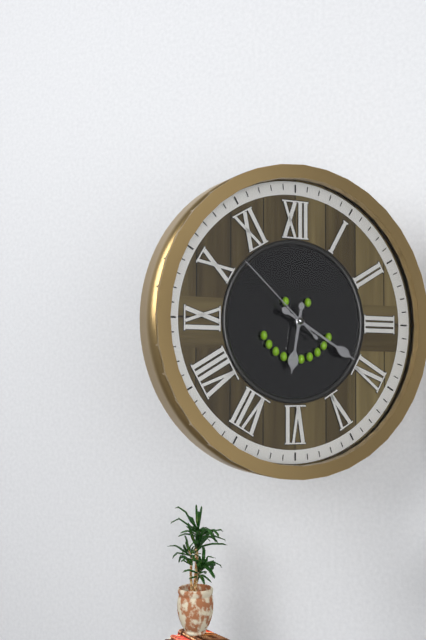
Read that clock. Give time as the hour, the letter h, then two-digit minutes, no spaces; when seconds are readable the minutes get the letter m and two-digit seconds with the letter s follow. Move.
6h20m52s
